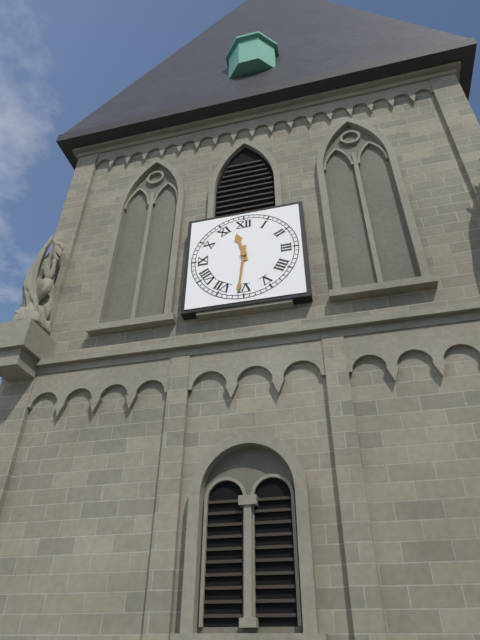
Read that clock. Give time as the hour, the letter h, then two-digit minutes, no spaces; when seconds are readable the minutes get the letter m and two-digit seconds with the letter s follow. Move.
11h31
